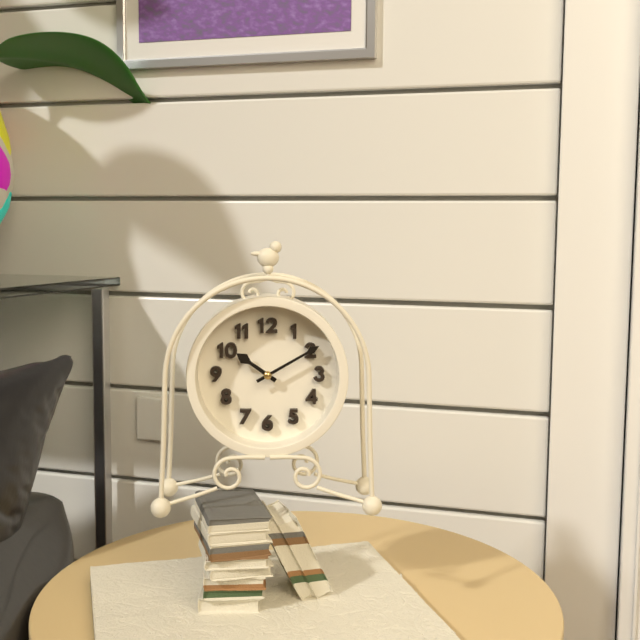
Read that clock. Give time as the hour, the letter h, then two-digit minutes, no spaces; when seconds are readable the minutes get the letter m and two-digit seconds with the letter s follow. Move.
10h10
